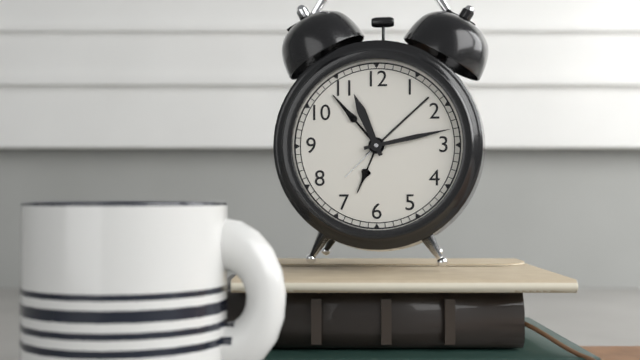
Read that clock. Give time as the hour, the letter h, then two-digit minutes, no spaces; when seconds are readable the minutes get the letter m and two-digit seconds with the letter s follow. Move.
11h13
